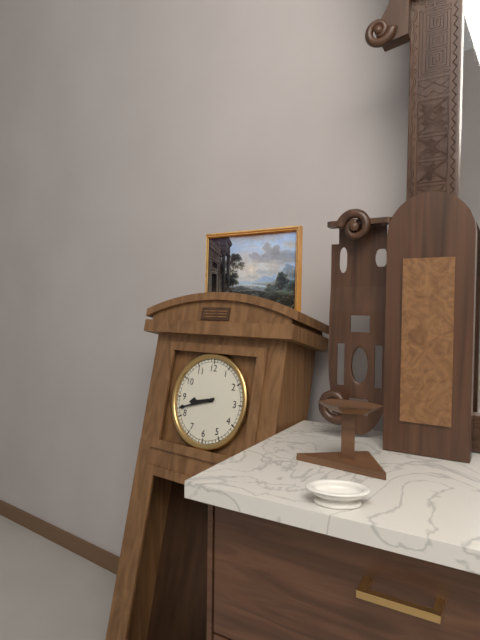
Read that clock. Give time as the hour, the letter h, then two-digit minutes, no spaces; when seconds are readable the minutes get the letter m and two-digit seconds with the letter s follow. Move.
8h42
